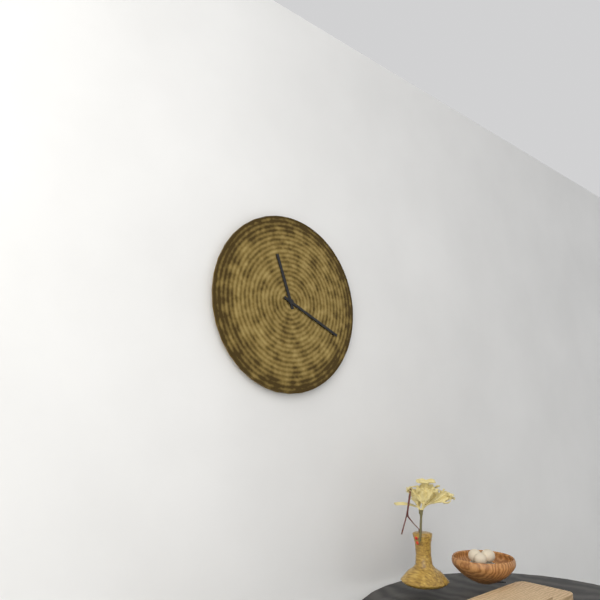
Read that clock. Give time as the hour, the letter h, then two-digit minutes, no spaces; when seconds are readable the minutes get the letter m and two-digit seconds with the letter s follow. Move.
11h19
